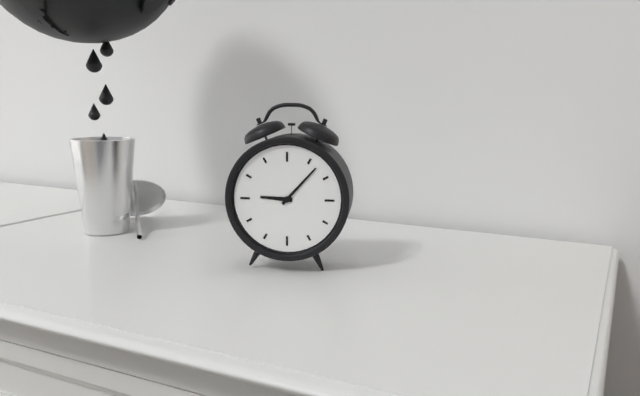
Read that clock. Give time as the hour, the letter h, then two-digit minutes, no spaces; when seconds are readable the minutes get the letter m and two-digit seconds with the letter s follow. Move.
9h07
